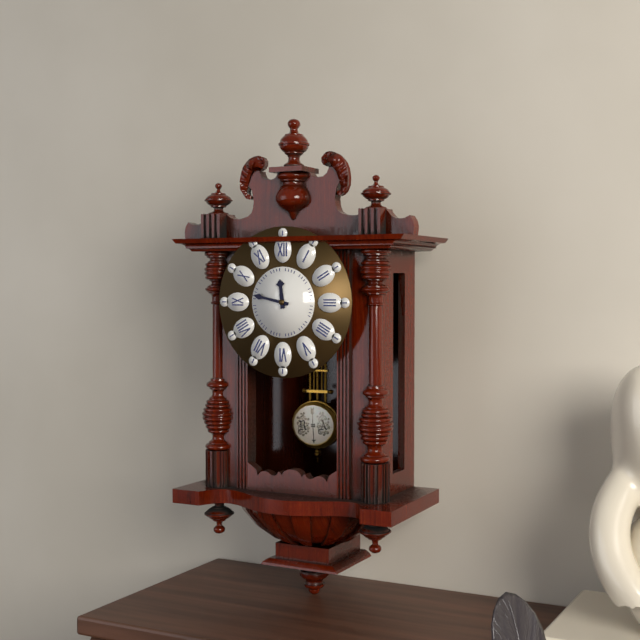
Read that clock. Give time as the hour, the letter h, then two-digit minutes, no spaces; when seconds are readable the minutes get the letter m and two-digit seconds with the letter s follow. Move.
11h47
